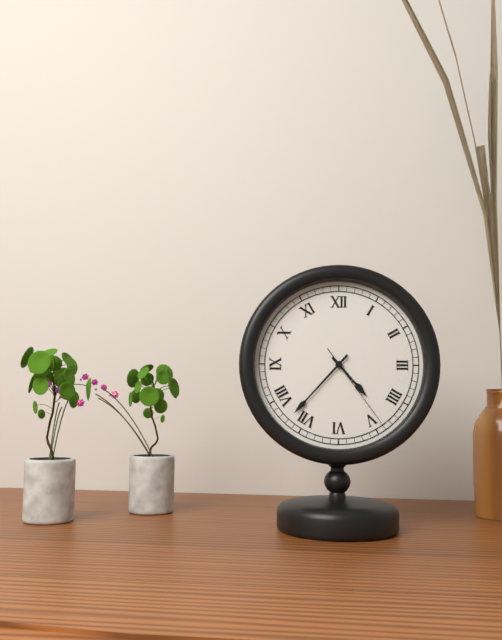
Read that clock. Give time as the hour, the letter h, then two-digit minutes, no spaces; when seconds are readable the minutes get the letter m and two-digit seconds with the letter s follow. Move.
4h37m24s
